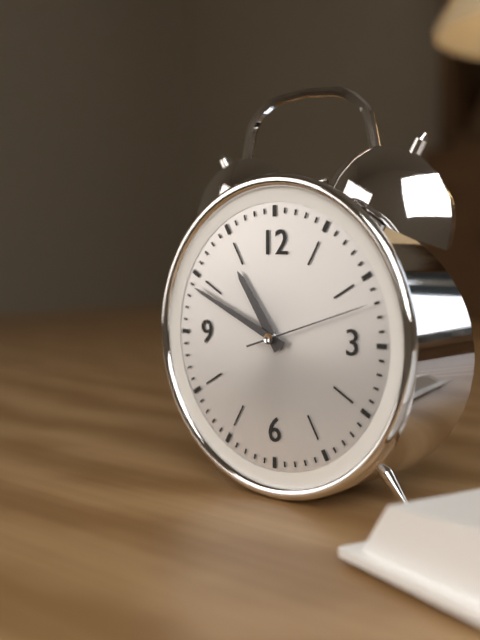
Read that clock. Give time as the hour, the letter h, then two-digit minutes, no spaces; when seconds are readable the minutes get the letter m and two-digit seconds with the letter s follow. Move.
10h49m12s
